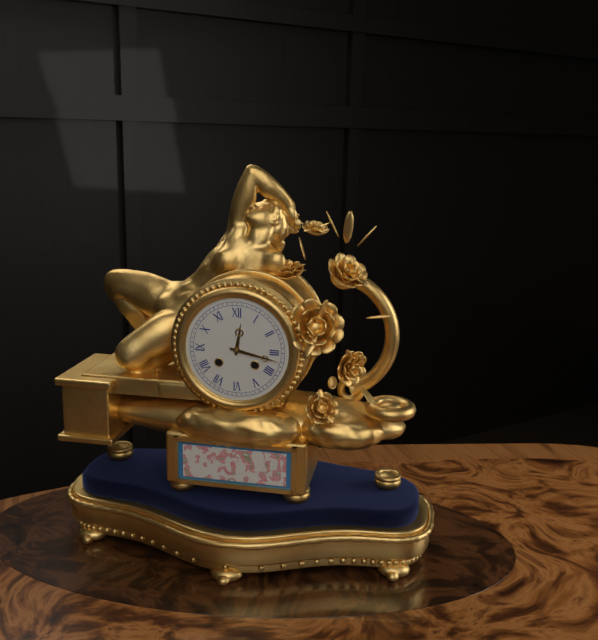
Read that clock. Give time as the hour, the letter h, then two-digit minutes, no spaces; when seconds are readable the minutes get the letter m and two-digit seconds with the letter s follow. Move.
12h17
